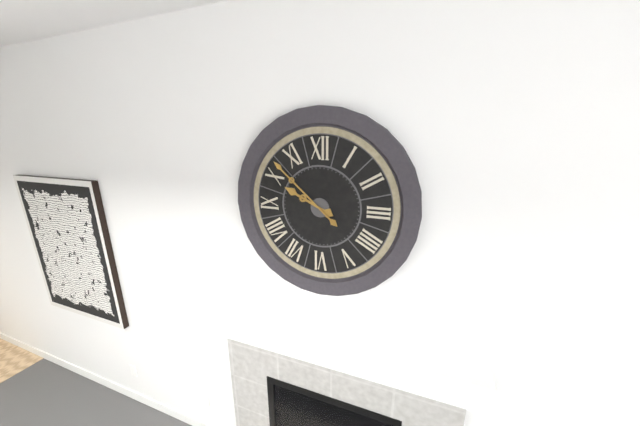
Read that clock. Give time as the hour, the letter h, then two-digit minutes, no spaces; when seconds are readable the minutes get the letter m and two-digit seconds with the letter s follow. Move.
9h52
